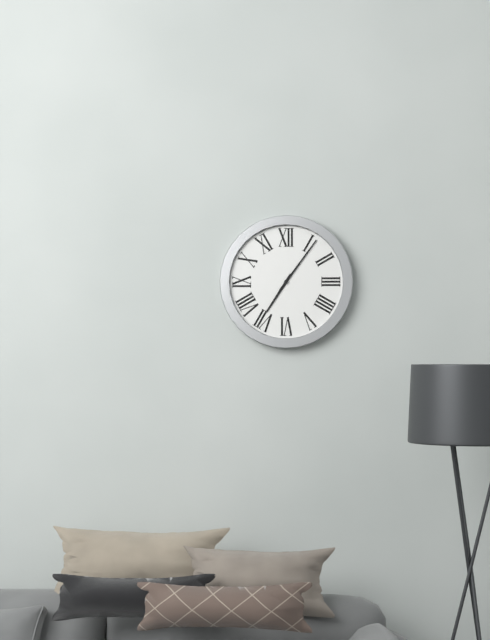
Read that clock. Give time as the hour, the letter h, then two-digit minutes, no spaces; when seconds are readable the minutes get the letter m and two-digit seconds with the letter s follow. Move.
7h06
